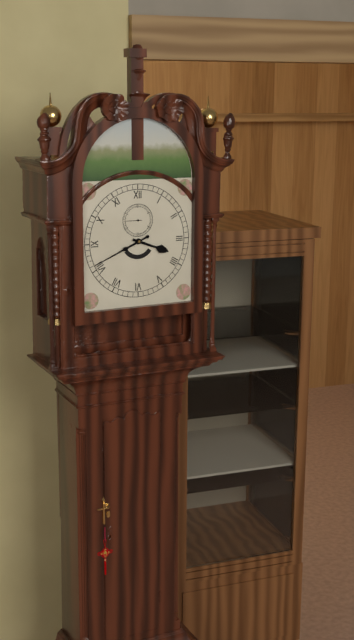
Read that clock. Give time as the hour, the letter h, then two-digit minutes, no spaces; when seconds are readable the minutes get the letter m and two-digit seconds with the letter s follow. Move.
3h41
